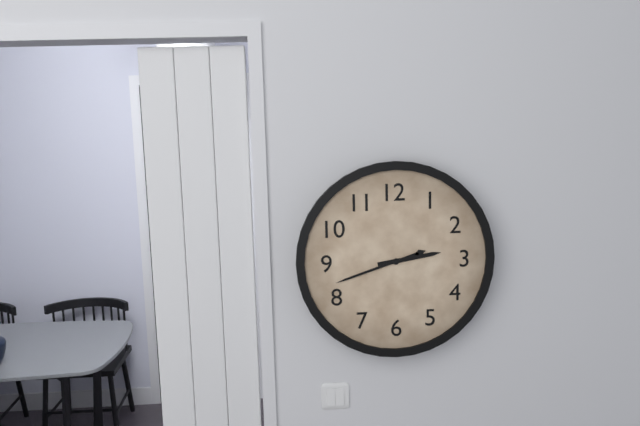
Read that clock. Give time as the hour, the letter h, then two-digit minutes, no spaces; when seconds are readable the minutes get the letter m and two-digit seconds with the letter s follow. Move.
2h42
